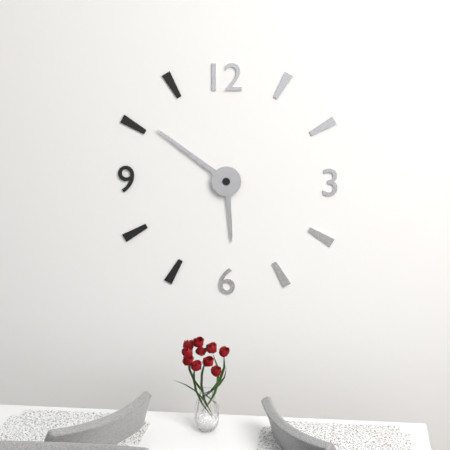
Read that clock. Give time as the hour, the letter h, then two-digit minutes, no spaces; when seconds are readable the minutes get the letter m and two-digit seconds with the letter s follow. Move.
5h51
